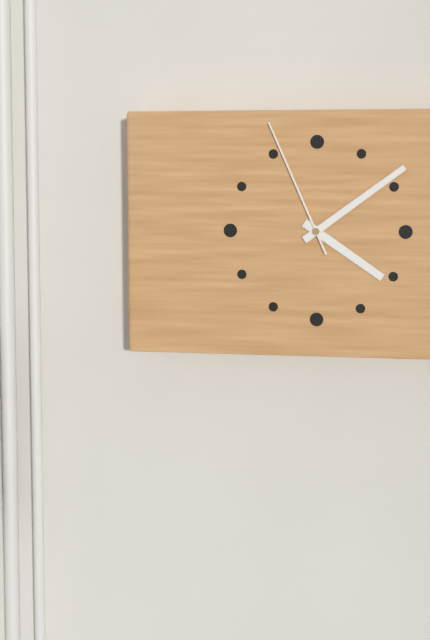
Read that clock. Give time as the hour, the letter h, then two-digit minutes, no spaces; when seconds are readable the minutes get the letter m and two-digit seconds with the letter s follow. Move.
4h09m56s
